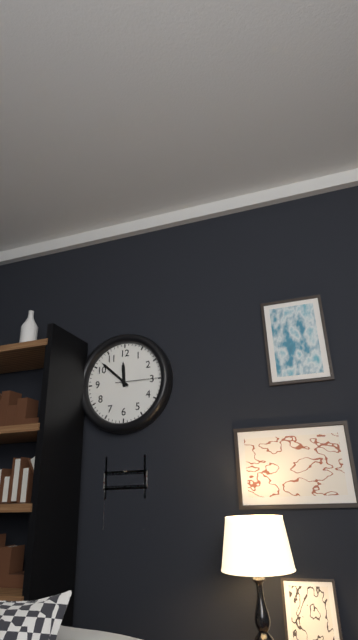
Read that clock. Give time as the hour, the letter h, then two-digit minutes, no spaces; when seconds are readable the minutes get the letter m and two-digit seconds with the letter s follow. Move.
11h52
